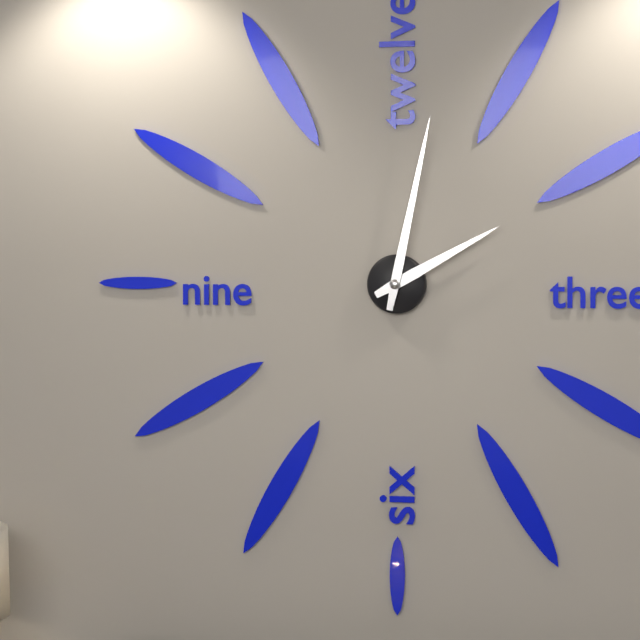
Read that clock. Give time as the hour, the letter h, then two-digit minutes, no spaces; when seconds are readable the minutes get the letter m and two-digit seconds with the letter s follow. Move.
2h02
